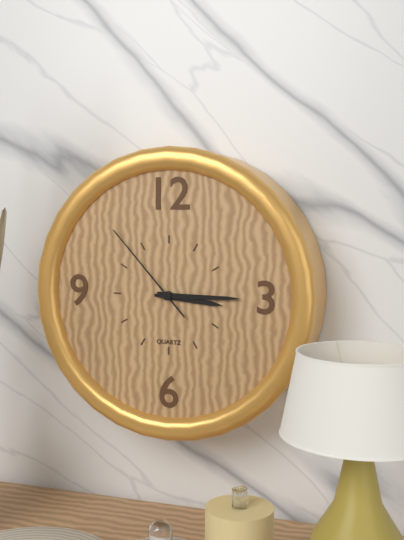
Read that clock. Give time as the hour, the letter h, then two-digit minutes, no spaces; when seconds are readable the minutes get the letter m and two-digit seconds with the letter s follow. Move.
3h15m53s
